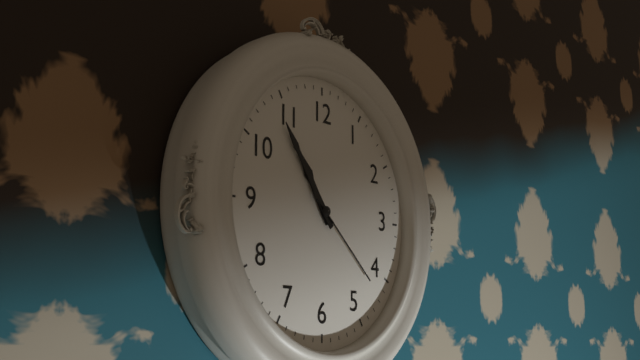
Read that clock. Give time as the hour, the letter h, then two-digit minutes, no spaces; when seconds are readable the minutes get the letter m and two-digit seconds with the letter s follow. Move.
10h54m22s
